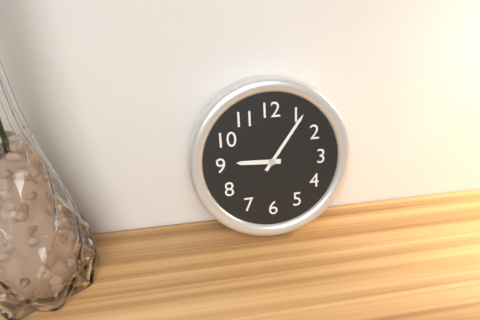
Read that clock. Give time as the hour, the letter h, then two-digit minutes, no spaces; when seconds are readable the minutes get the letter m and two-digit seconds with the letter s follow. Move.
9h06
